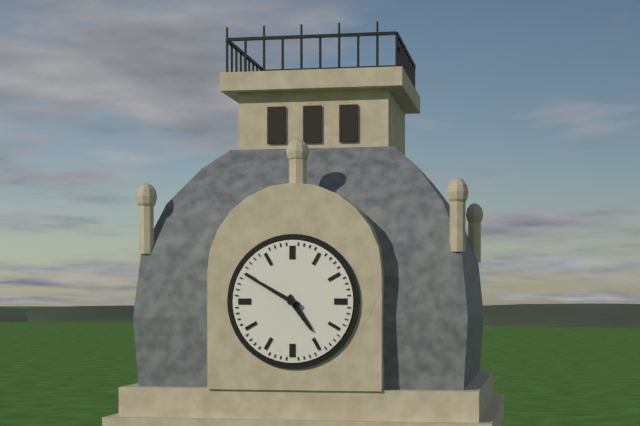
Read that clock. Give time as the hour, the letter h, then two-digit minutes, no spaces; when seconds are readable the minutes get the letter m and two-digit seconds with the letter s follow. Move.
4h50
